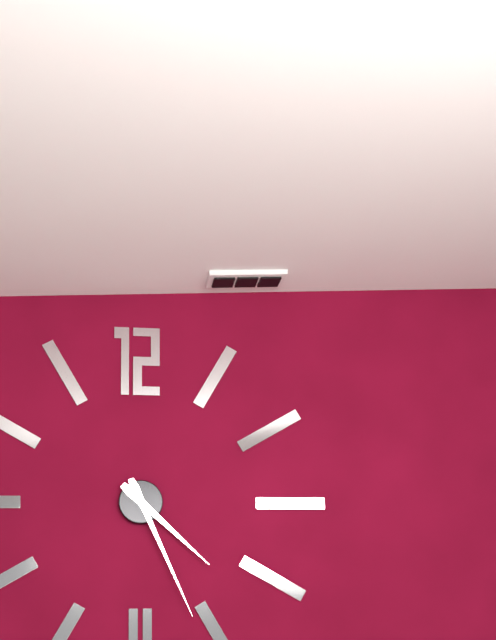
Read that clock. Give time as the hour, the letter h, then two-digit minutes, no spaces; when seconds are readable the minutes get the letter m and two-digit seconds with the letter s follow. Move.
4h26
